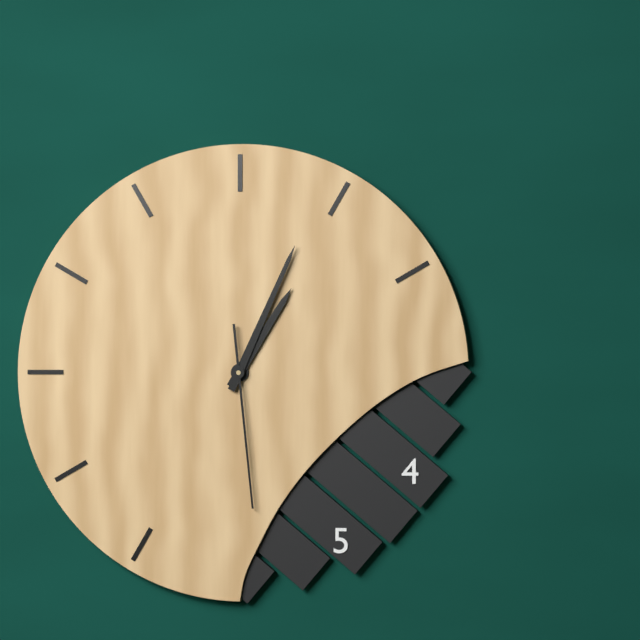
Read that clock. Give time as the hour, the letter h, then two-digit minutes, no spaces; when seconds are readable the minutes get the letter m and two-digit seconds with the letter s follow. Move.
1h04m29s
